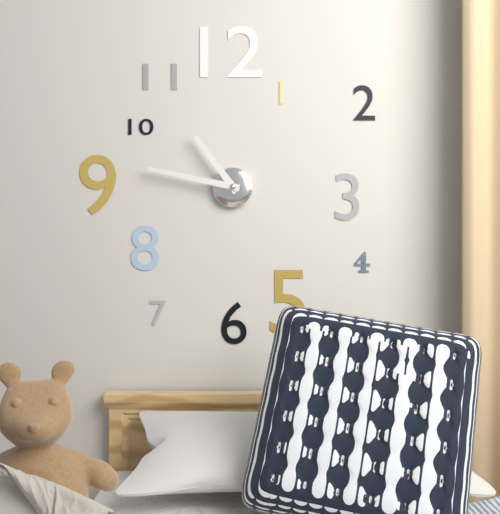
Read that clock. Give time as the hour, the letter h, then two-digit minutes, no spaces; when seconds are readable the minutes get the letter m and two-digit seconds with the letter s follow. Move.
10h47
